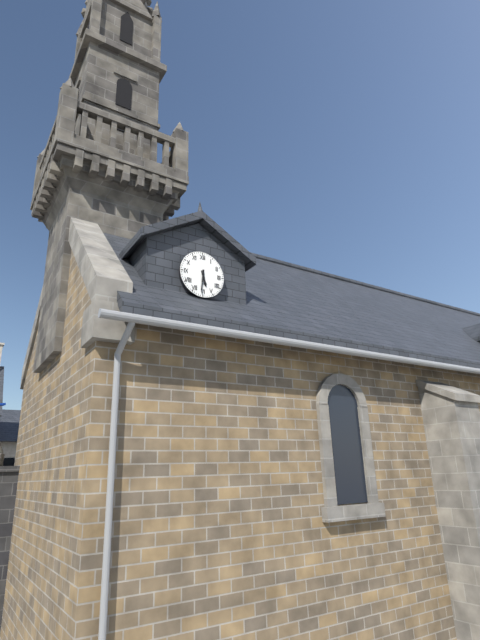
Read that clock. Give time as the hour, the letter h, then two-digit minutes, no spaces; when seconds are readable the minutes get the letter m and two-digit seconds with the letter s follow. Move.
5h31
